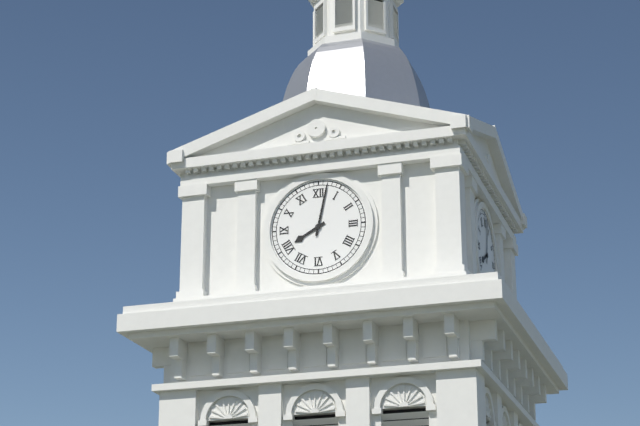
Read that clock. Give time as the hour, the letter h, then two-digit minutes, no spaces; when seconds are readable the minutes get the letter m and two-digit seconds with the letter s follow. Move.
8h02
